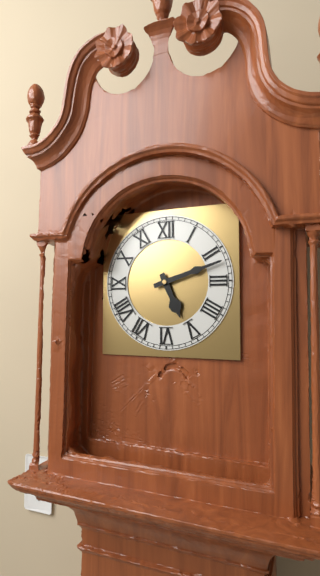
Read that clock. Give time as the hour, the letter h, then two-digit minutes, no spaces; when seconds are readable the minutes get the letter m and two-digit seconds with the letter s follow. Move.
5h12
